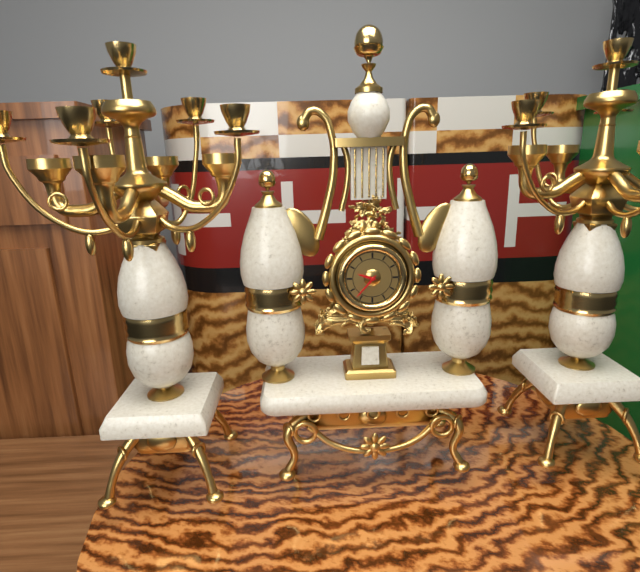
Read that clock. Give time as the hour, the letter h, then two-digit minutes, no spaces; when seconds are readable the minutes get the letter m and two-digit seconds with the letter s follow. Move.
9h37
